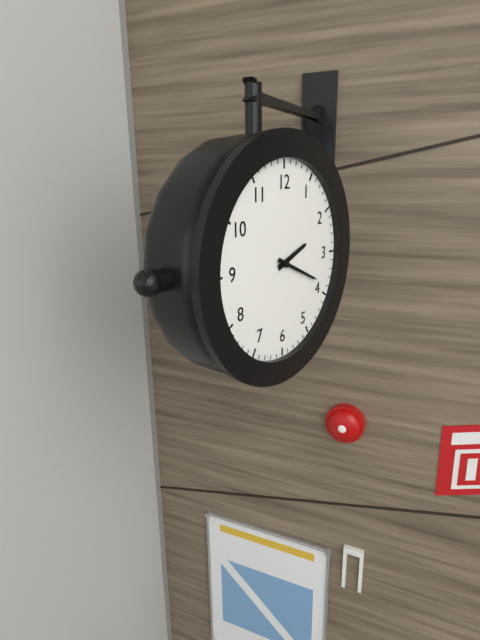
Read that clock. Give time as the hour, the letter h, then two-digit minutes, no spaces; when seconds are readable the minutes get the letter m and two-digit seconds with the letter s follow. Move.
2h19
